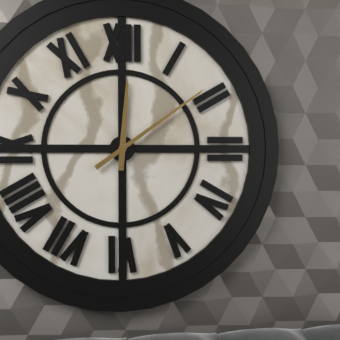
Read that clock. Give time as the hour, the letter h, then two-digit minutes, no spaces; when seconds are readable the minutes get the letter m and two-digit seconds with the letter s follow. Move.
12h09
